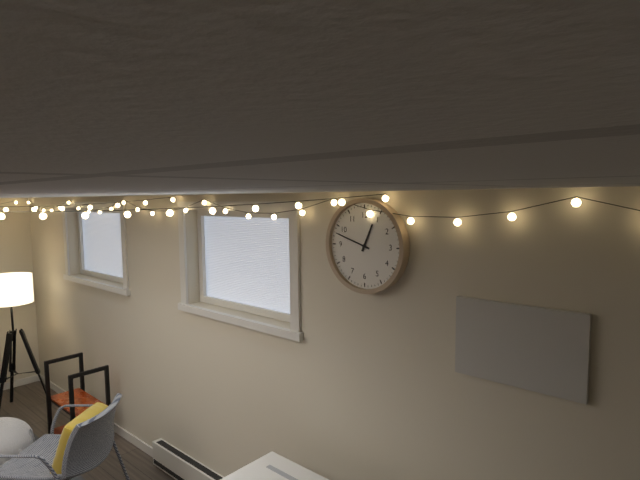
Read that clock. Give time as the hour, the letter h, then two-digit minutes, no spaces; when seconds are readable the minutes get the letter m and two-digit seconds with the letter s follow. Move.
12h48
